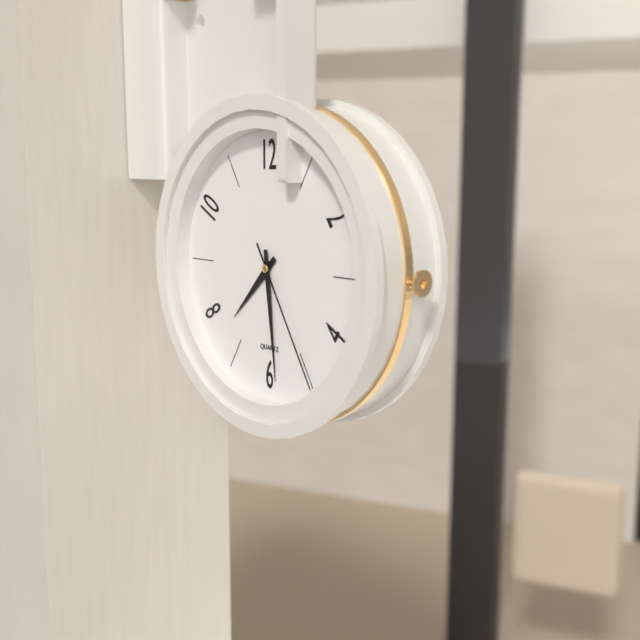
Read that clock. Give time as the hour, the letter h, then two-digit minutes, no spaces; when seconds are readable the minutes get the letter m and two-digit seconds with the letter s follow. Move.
7h29m25s
